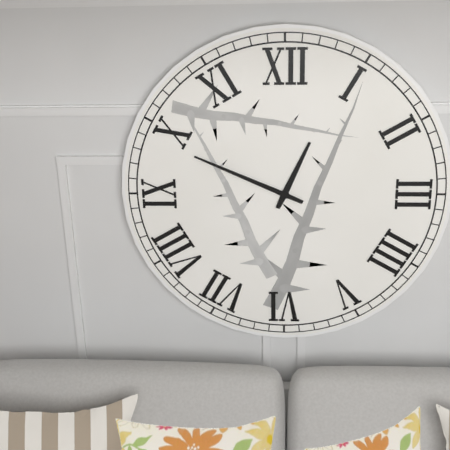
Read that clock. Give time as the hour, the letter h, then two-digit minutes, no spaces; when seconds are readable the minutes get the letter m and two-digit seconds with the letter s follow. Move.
12h49
